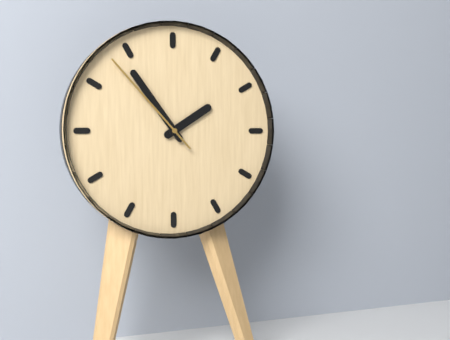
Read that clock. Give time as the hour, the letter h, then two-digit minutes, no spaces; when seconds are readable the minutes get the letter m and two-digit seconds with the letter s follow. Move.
1h54m53s
